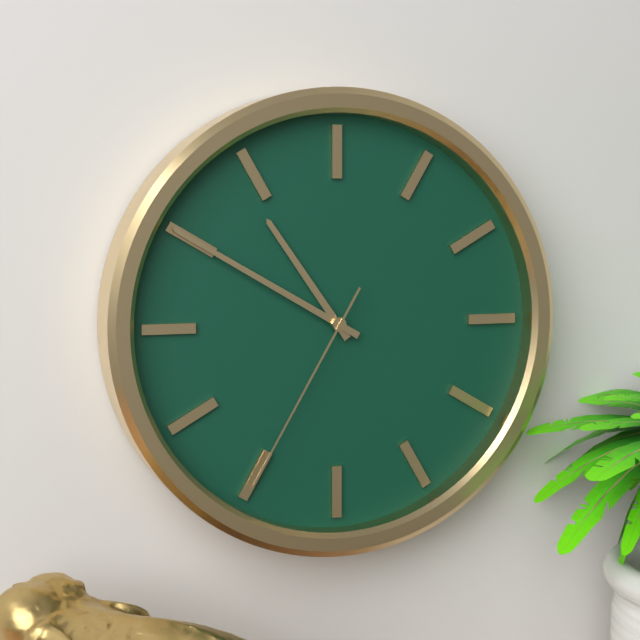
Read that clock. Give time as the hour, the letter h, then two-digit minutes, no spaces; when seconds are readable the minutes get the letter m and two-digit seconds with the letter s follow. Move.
10h50m35s
